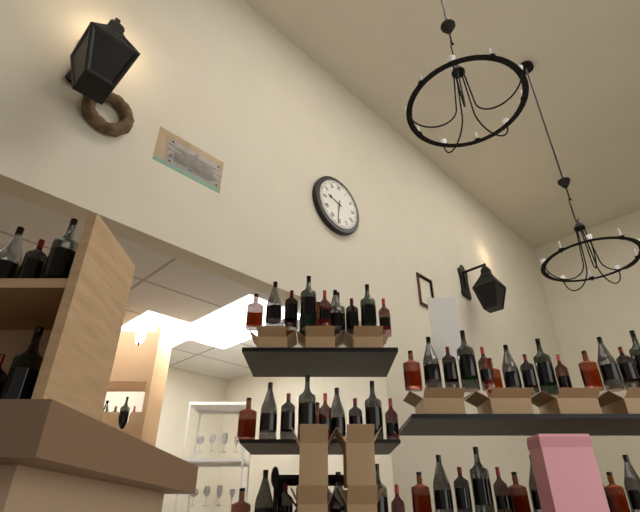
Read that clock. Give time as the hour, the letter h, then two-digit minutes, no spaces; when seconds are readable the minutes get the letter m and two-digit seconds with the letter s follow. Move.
9h31
